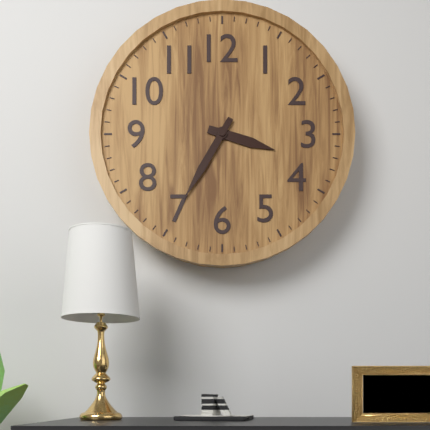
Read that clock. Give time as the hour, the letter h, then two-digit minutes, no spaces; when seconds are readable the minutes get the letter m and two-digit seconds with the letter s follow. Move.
3h35
